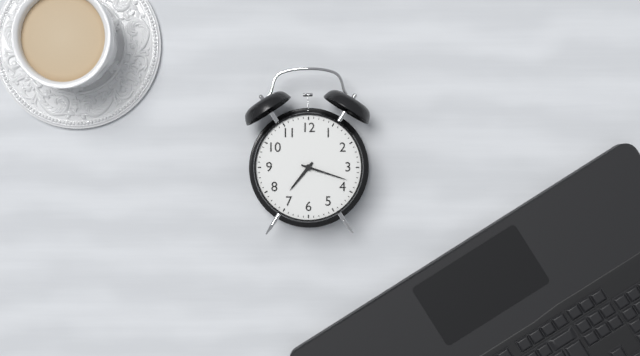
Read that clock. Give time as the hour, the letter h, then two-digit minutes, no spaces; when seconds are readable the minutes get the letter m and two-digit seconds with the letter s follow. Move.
7h18
